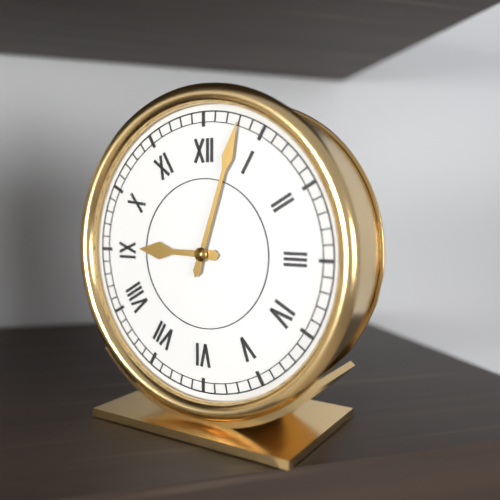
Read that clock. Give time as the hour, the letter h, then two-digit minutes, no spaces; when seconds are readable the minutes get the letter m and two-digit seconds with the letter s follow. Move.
9h03
